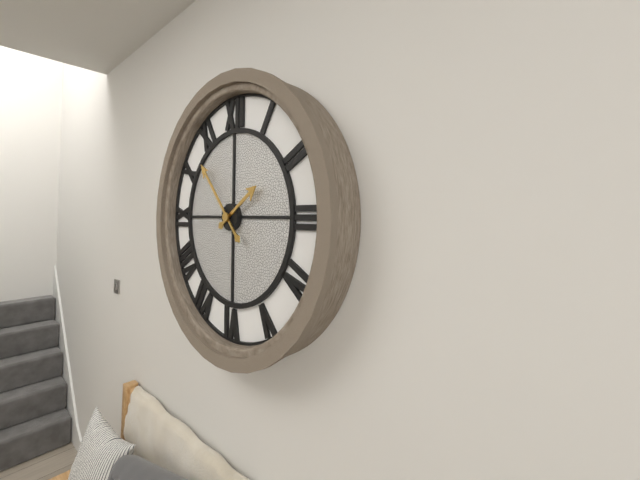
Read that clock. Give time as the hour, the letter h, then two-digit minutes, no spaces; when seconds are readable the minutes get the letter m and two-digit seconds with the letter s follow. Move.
1h53
